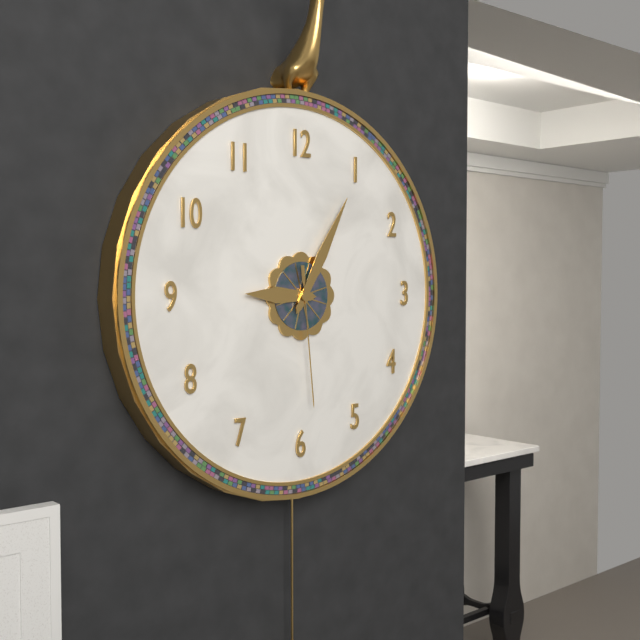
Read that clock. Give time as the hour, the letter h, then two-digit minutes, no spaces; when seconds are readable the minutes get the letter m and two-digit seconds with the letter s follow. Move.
9h05m29s
